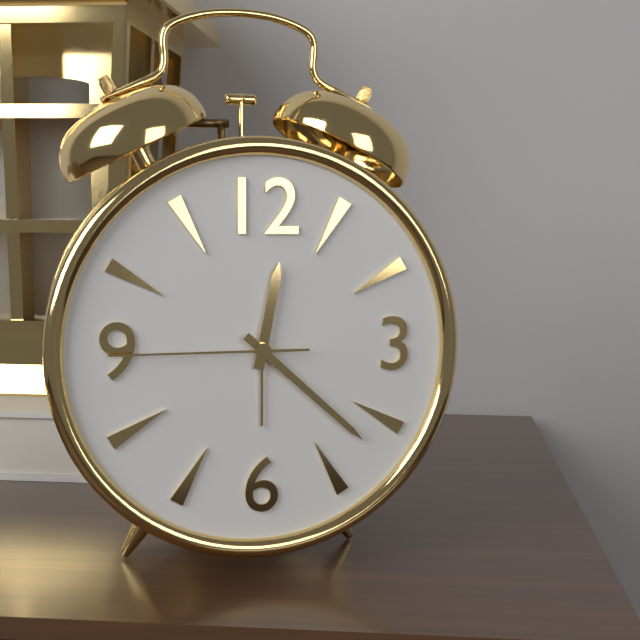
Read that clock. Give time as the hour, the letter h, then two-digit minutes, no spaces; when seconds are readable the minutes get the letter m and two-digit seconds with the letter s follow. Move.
12h22m45s
